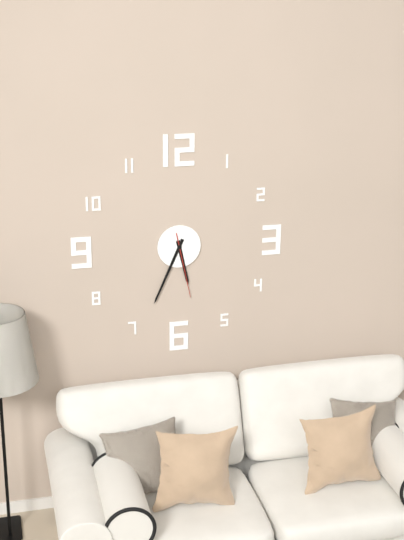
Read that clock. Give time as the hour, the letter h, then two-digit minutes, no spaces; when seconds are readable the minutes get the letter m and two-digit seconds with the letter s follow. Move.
5h34m28s
